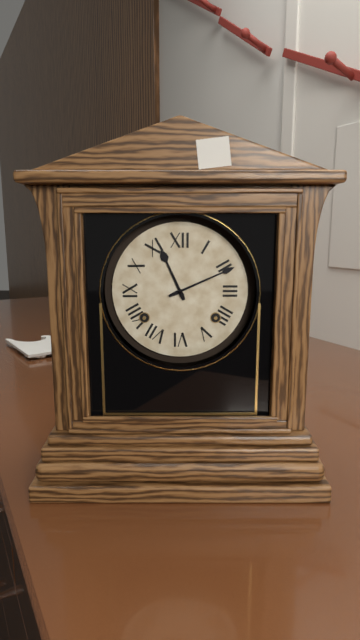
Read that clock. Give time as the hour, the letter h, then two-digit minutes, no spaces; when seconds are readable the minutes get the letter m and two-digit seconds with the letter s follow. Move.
11h11
